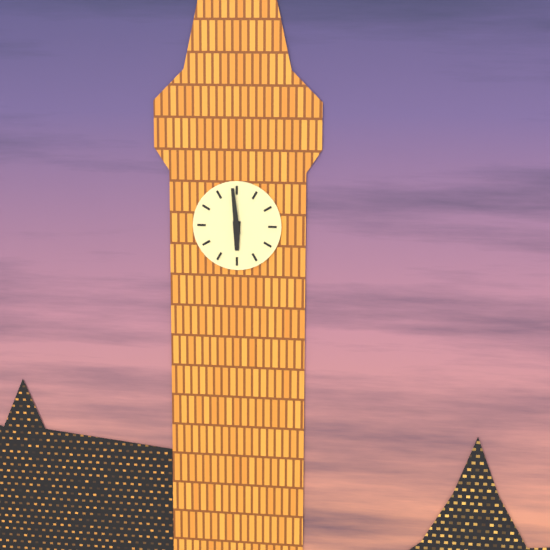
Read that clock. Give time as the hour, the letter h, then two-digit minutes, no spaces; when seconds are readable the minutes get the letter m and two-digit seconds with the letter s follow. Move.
5h59
